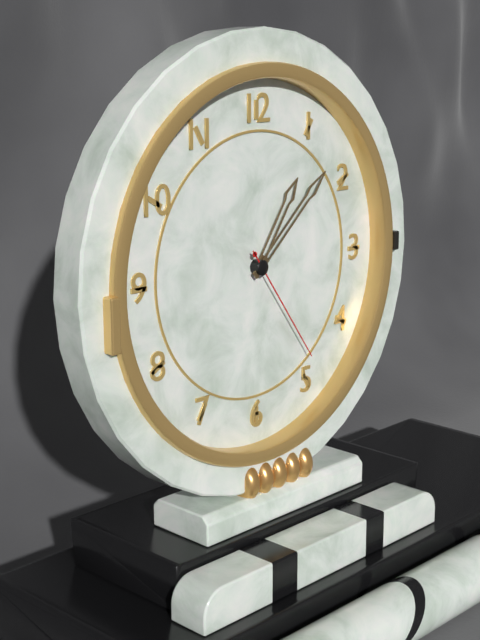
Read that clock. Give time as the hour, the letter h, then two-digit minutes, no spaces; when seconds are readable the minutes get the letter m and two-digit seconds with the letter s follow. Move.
1h08m24s
